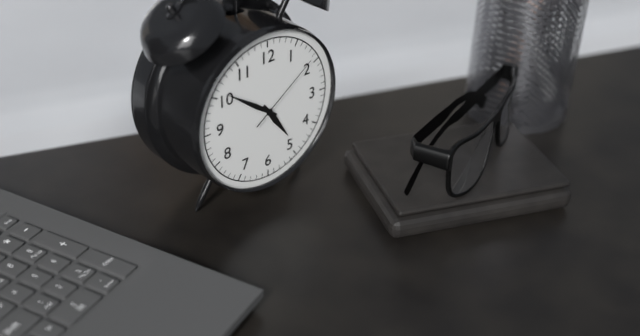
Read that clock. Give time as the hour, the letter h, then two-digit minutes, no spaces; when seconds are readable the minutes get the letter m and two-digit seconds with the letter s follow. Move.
4h51m09s
